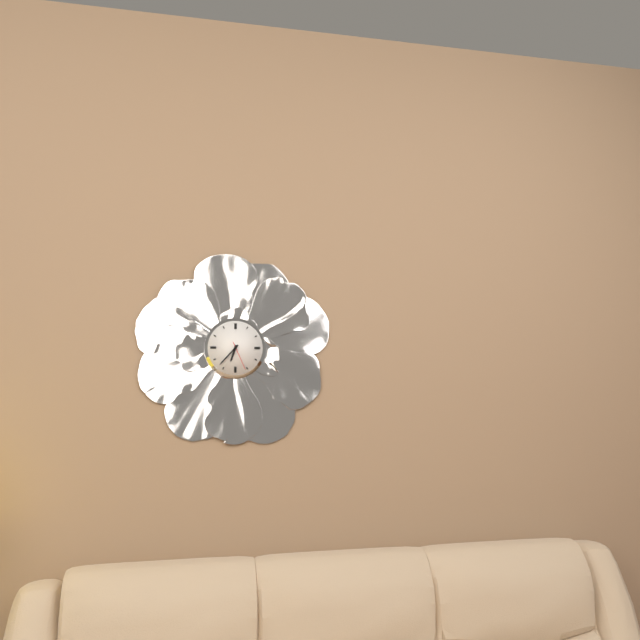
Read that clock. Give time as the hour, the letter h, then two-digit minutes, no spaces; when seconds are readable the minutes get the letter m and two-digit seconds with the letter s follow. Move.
6h37
